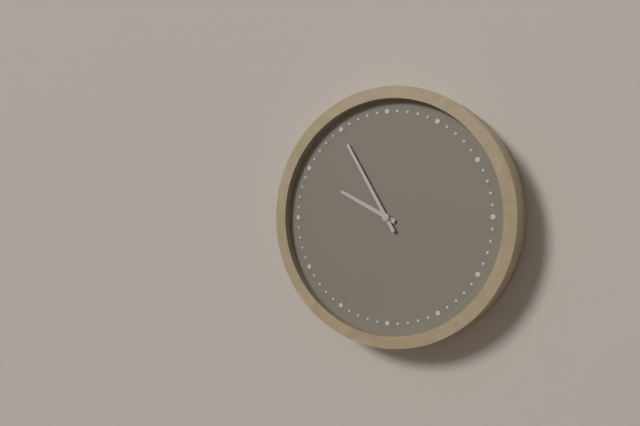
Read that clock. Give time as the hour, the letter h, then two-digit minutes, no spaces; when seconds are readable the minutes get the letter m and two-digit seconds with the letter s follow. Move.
9h55
